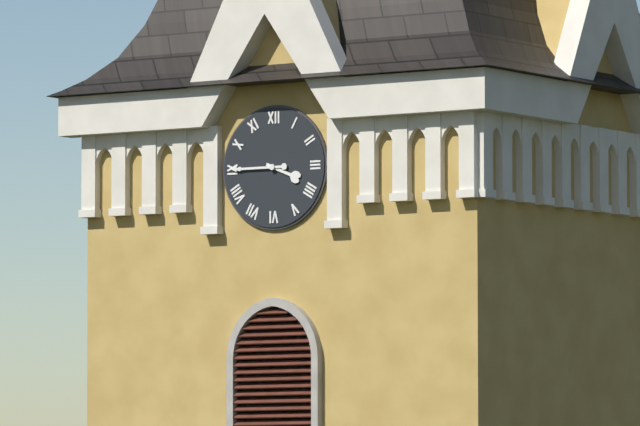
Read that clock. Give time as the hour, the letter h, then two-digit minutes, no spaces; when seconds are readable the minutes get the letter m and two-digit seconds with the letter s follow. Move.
3h45
